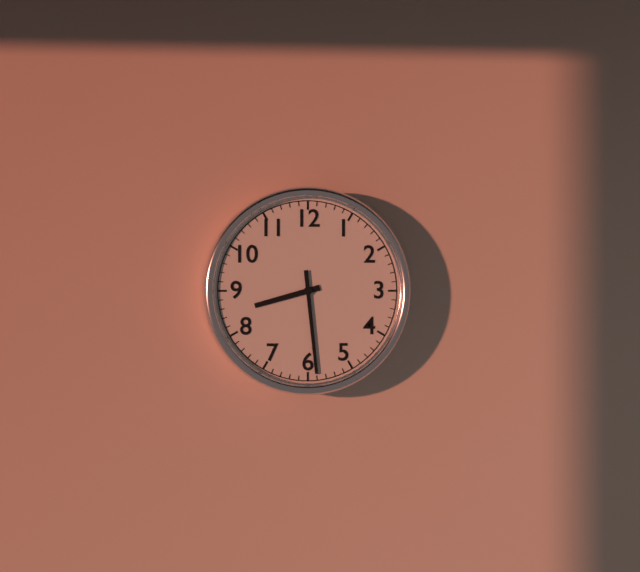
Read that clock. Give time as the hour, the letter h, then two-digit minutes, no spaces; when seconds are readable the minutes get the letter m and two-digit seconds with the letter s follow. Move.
8h29
